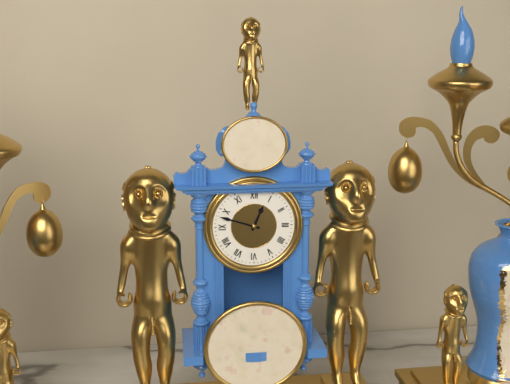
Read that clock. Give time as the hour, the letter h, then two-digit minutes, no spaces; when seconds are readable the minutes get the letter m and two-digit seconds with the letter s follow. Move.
12h48
